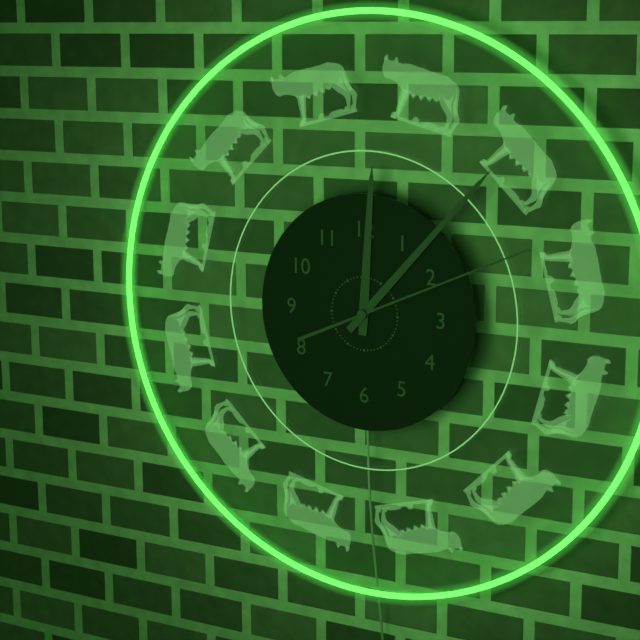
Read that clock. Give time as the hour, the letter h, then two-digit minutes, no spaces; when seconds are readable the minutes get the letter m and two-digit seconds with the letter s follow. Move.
12h07m11s
